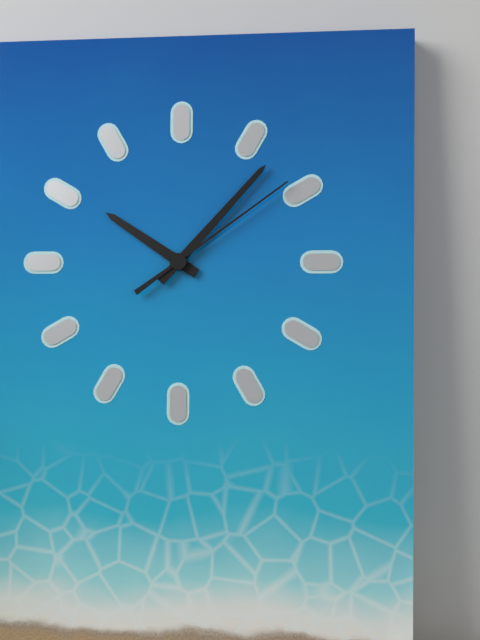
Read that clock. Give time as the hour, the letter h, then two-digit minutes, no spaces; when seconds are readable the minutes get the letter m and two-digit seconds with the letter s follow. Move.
10h07m09s
